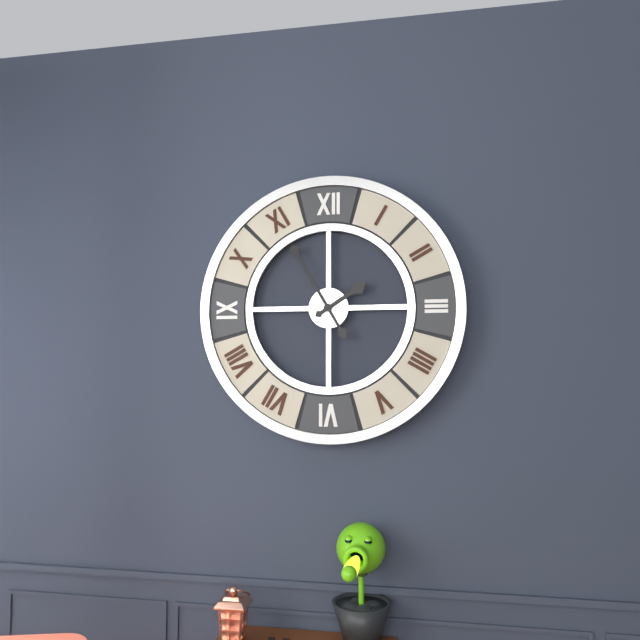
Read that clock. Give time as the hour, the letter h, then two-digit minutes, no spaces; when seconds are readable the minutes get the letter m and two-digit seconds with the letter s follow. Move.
1h55
